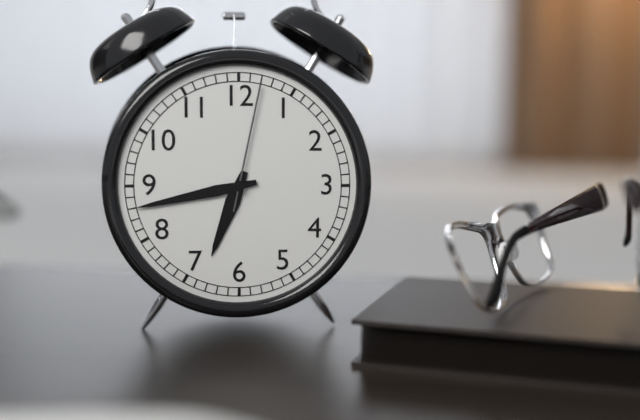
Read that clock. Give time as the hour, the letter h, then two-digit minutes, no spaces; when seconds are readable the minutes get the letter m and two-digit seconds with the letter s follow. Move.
6h43m02s
